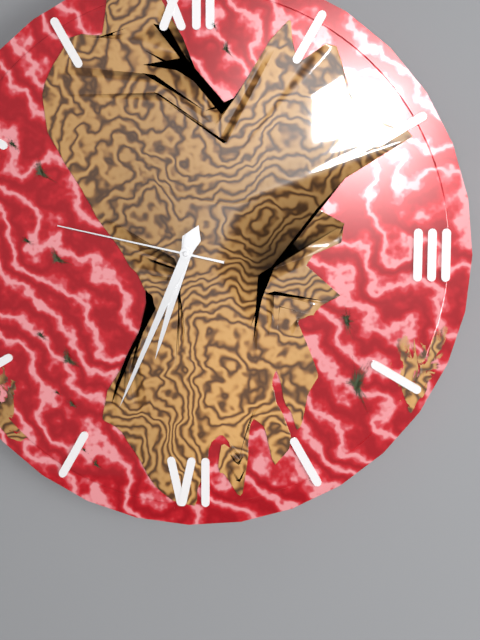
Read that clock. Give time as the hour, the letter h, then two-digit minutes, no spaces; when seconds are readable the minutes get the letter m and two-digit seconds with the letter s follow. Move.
6h34m47s
